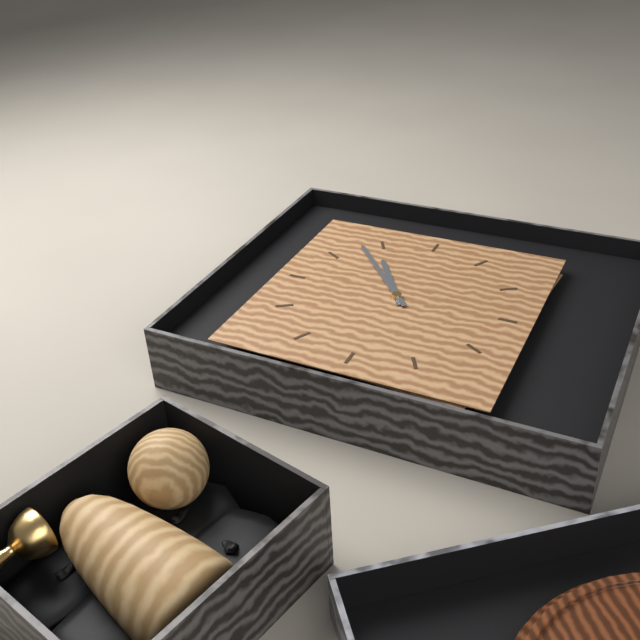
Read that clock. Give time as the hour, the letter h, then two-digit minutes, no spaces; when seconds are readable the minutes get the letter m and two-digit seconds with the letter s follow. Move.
10h53
